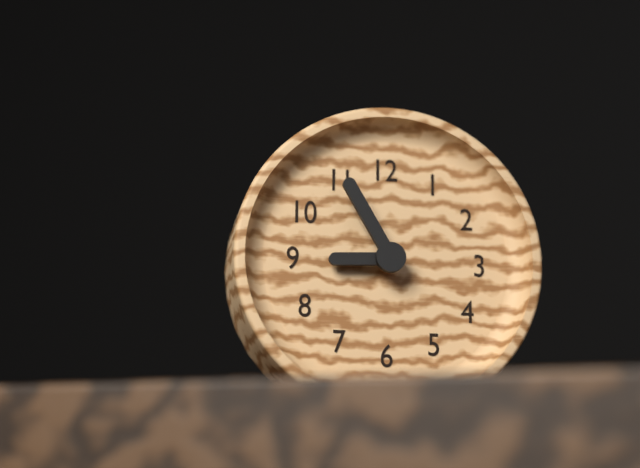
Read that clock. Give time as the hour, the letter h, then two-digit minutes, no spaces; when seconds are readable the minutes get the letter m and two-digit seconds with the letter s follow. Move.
8h55
